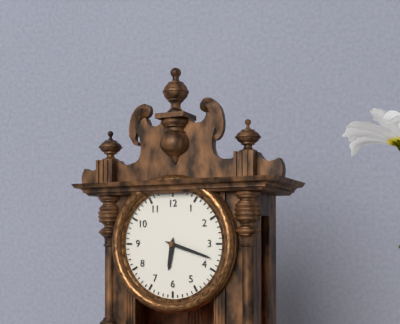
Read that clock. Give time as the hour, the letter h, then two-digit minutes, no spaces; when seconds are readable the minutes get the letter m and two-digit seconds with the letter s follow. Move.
6h18
